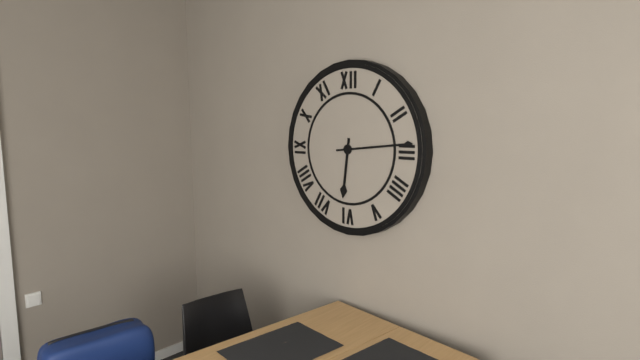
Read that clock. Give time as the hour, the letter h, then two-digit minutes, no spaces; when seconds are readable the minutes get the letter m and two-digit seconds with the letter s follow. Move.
6h14
